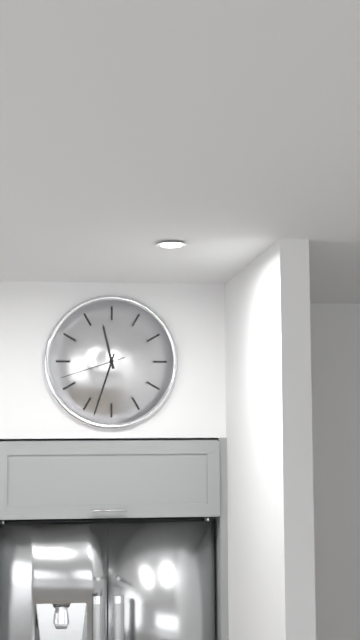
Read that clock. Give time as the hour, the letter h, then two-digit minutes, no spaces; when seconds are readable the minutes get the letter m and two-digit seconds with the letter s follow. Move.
11h33m42s
